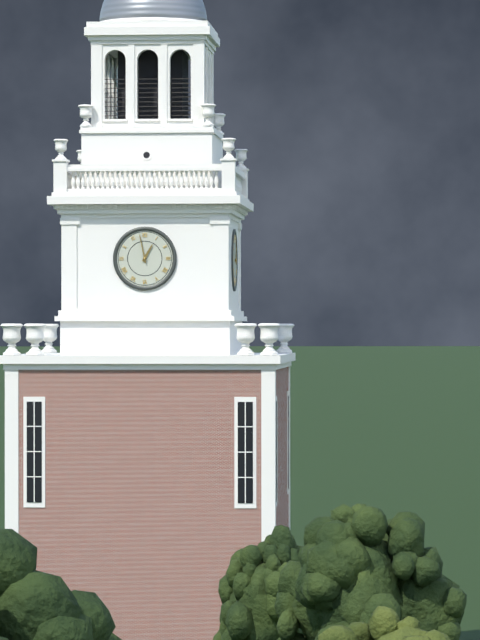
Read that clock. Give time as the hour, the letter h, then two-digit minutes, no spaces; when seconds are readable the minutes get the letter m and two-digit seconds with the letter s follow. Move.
12h58
